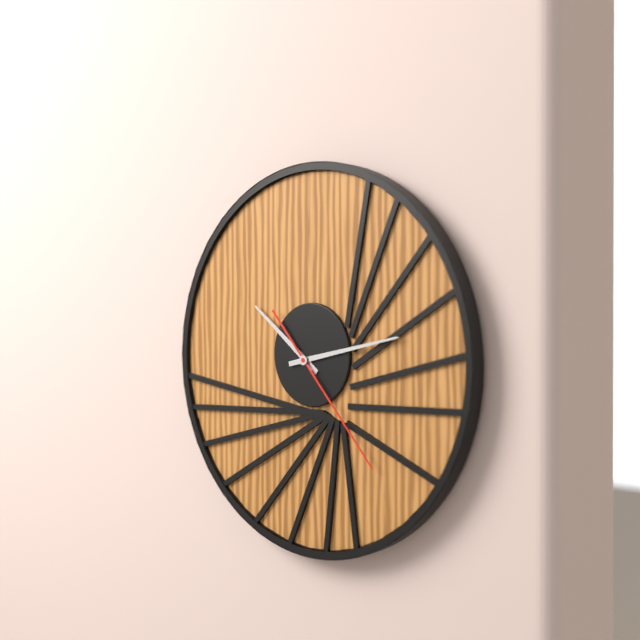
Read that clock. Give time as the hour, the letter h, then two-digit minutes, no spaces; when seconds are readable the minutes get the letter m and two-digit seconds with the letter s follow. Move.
10h13m23s
